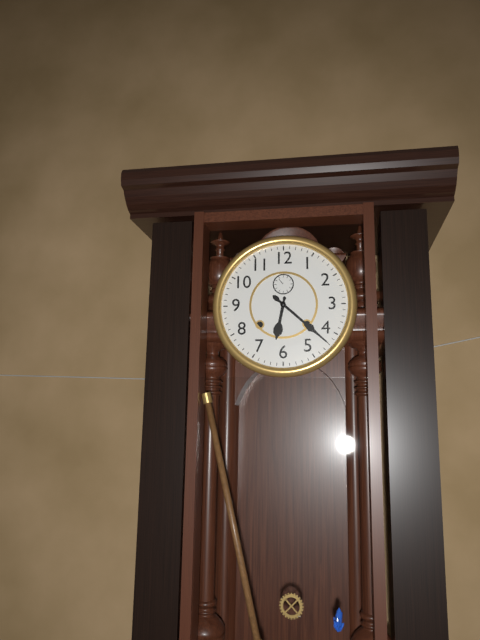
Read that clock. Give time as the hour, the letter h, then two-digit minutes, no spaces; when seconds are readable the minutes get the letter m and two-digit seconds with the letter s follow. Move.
6h22
